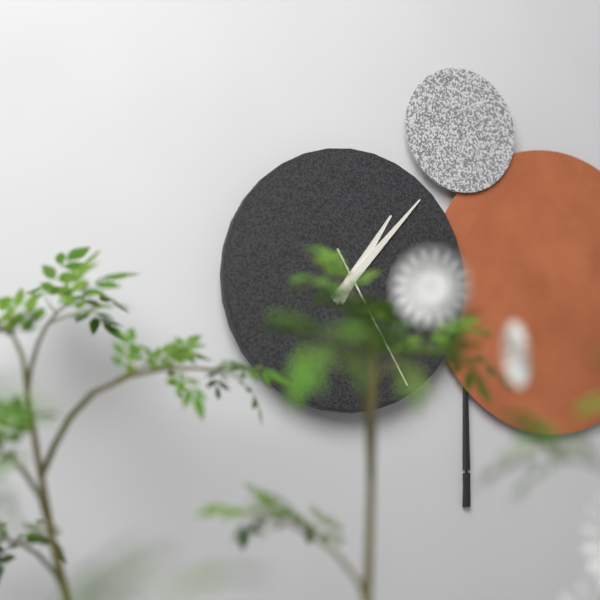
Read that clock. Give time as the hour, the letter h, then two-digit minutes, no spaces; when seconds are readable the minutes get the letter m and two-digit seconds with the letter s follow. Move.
1h07m25s
